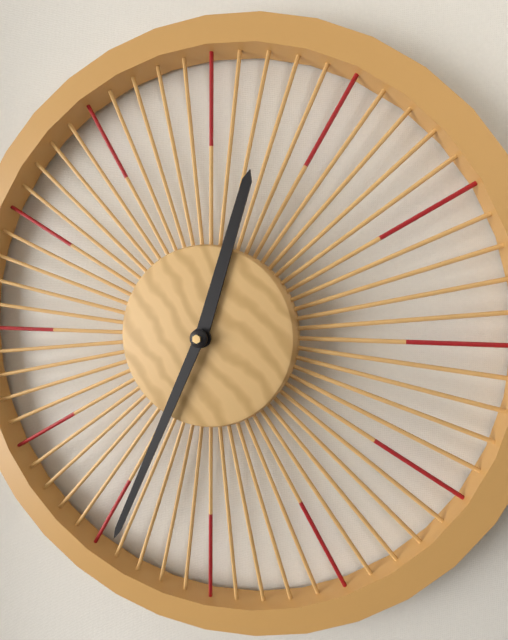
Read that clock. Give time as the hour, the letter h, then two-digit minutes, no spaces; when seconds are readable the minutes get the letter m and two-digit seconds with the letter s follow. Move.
12h34
